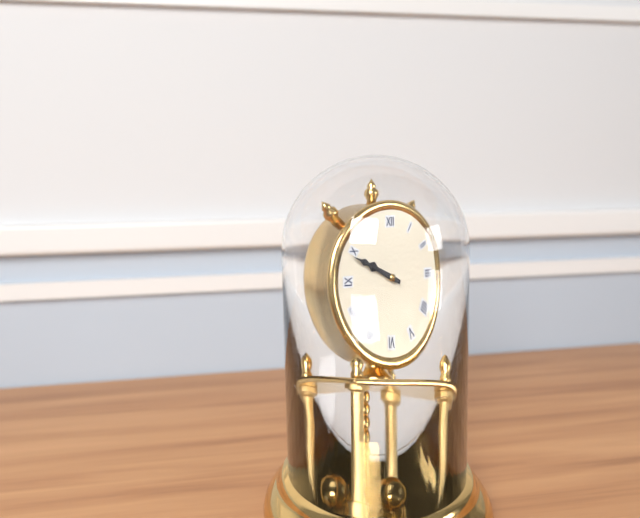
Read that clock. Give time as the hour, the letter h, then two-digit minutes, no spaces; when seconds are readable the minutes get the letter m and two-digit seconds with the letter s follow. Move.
9h49
